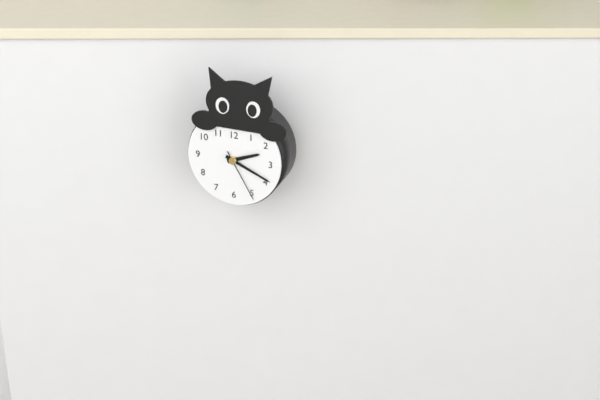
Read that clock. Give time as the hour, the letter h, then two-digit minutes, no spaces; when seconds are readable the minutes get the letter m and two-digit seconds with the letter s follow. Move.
2h19m25s
